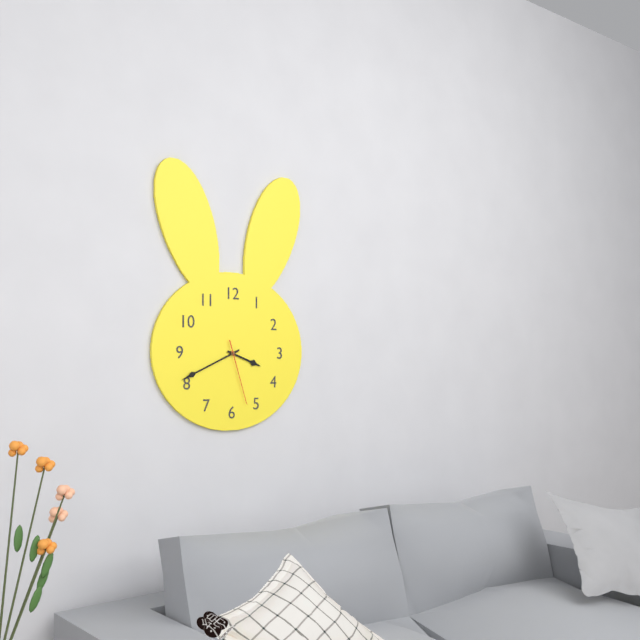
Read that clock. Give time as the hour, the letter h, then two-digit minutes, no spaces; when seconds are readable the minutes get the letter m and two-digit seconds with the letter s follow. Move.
3h41m27s
